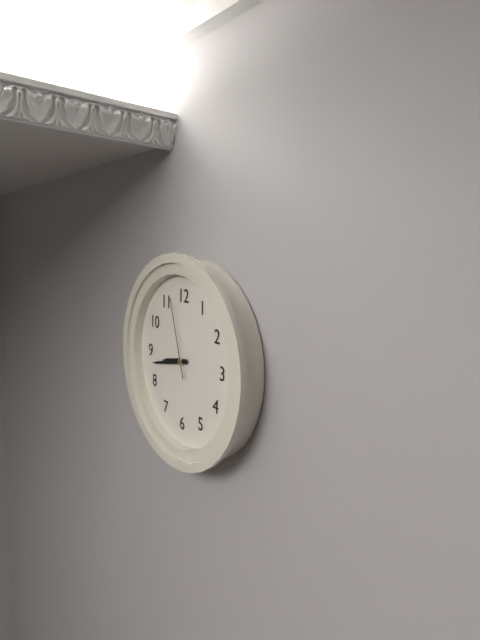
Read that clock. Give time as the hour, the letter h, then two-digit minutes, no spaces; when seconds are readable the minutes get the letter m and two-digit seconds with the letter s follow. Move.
8h43m57s
